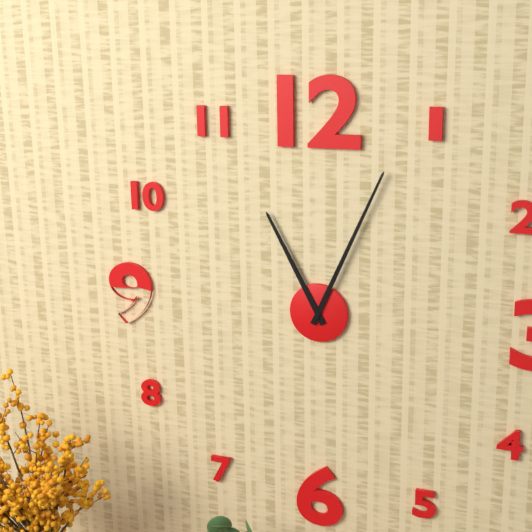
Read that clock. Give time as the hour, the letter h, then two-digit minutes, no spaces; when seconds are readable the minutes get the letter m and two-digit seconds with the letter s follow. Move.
11h04
